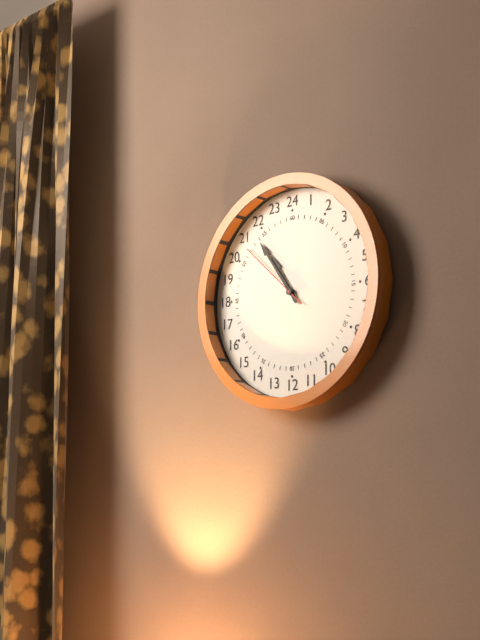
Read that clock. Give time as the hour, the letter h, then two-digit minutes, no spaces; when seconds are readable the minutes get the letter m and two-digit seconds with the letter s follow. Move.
10h54m52s
